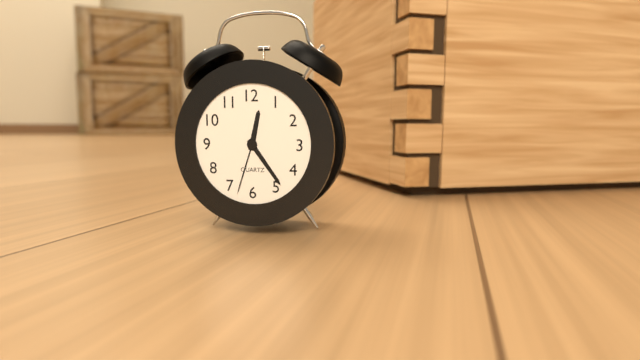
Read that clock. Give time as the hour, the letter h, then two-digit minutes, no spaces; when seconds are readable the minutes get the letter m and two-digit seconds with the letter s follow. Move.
12h24m33s
